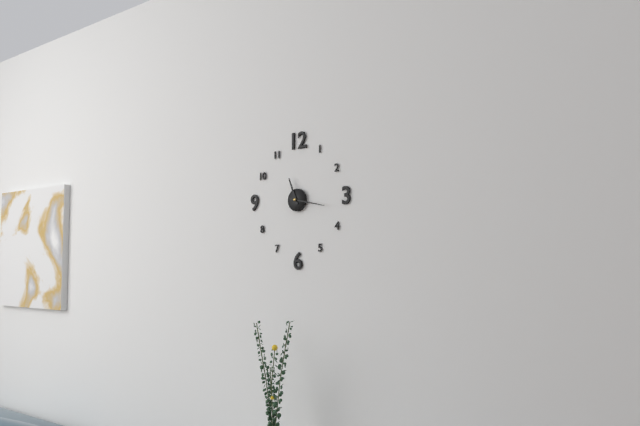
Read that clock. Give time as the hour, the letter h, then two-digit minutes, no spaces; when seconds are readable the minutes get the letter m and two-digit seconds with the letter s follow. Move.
11h17
